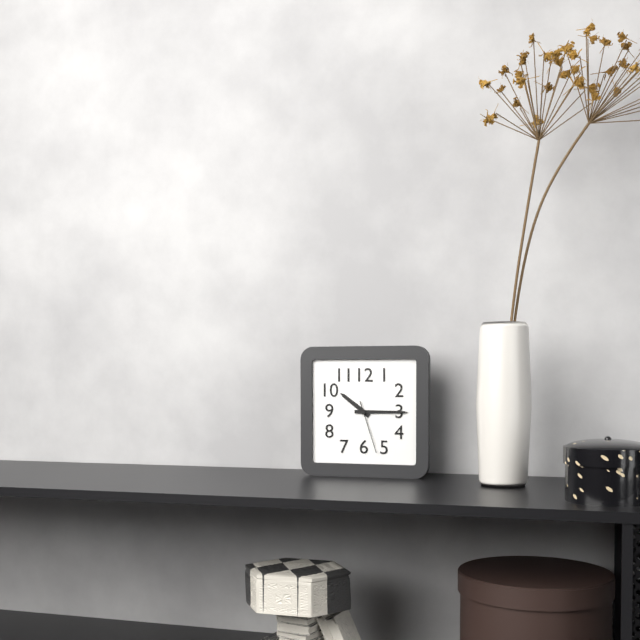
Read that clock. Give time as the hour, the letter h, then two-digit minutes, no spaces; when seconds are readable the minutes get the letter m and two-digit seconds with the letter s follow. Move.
10h15m27s
